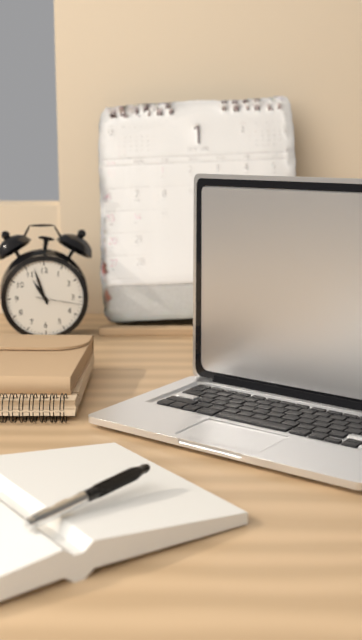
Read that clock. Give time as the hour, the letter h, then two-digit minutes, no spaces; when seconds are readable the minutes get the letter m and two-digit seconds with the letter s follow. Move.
10h57
